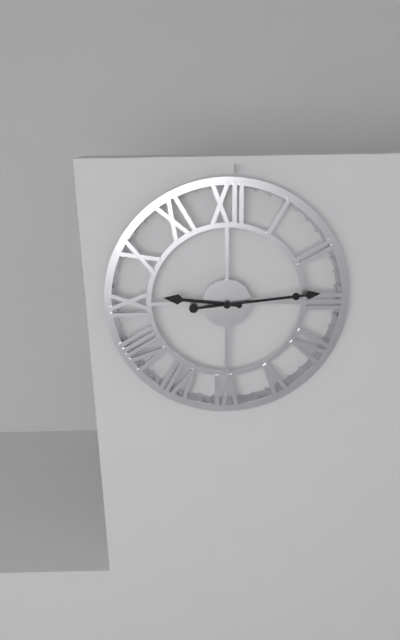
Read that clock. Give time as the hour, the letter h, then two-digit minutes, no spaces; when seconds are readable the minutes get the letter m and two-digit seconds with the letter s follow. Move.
9h14
